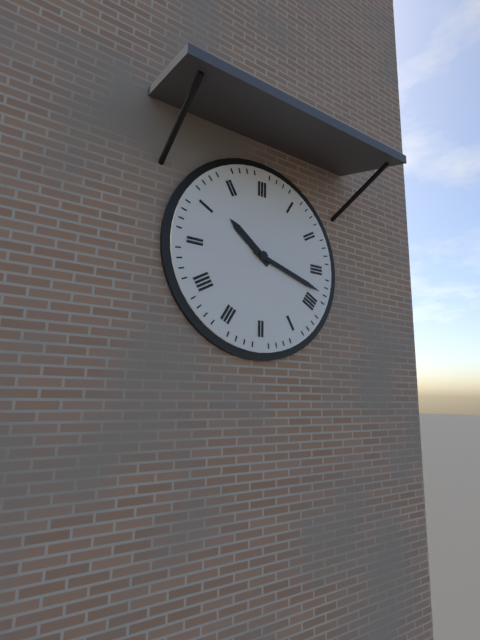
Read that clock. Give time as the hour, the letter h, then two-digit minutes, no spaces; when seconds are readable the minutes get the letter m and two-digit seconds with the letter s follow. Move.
10h18
